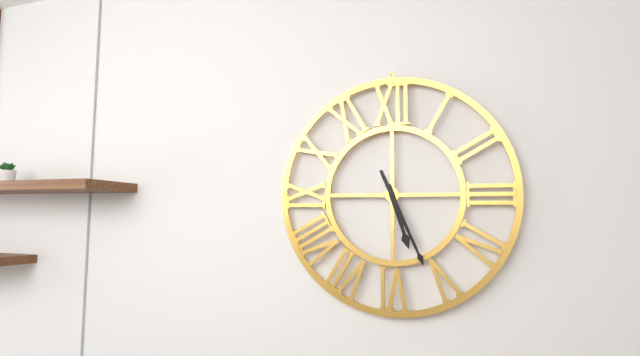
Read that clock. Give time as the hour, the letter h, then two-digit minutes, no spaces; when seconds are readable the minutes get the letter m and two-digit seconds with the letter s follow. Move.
5h26
